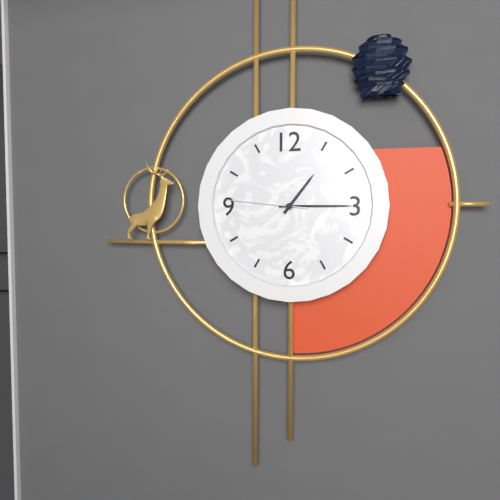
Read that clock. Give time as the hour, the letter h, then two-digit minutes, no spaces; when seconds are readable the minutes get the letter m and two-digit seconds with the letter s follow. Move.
1h15m46s
